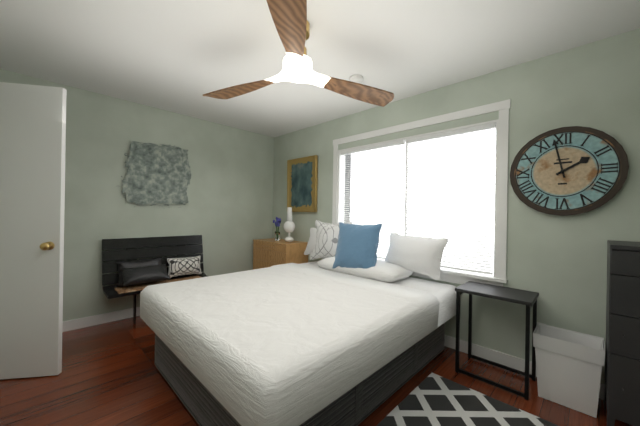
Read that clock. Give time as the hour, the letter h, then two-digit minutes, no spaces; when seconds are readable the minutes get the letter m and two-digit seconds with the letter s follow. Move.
1h58
